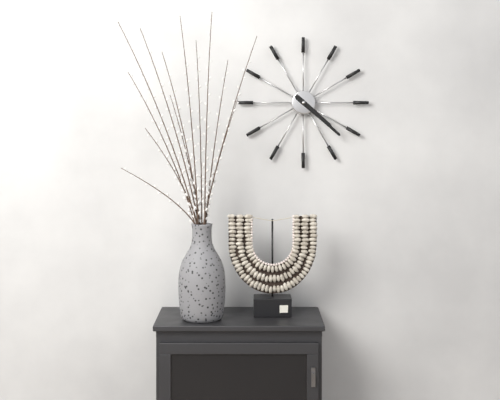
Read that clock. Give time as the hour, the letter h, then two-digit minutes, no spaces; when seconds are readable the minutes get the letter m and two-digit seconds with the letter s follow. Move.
4h22
